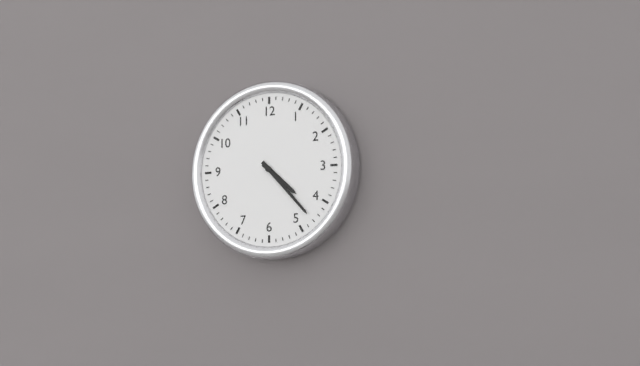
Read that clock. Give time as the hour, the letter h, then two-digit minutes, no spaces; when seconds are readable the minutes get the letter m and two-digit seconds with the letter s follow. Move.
4h23
